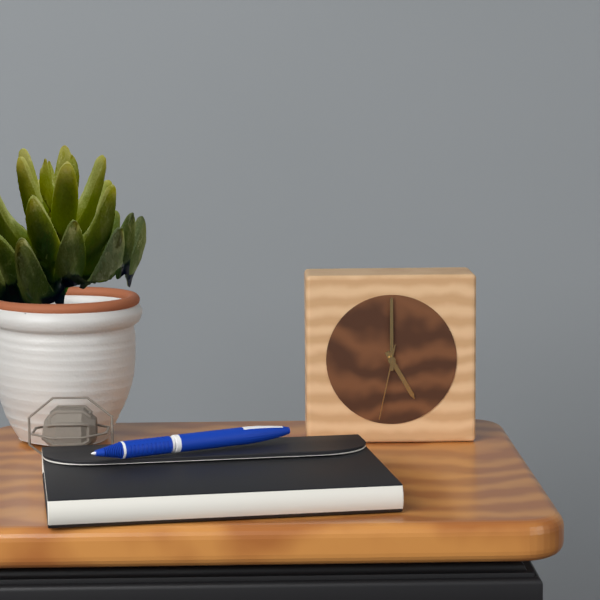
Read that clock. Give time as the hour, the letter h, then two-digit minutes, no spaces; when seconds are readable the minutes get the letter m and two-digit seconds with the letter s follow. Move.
5h00m32s
